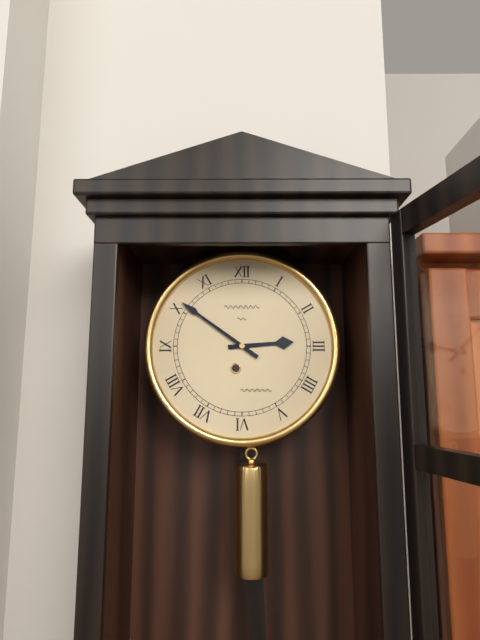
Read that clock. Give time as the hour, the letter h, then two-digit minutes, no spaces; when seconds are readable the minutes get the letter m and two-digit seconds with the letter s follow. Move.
2h51
